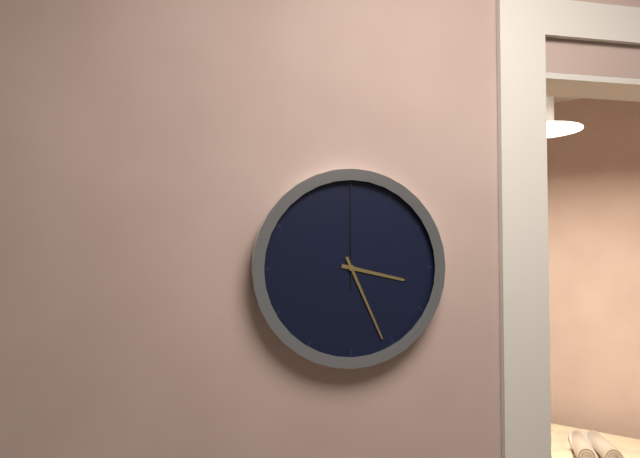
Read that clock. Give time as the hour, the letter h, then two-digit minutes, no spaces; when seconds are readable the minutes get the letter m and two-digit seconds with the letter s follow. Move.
3h26m00s
